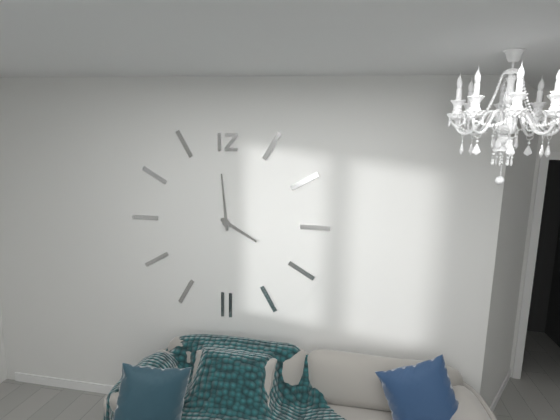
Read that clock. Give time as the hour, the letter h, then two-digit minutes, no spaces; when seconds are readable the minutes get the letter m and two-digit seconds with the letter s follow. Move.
3h59
